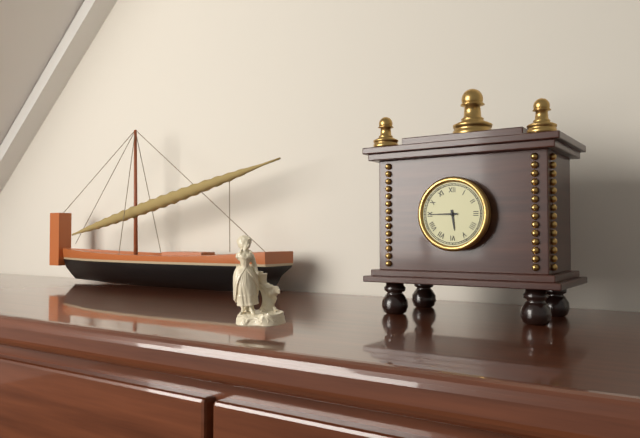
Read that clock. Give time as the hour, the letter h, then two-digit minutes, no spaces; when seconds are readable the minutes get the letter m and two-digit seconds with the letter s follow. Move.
5h45
